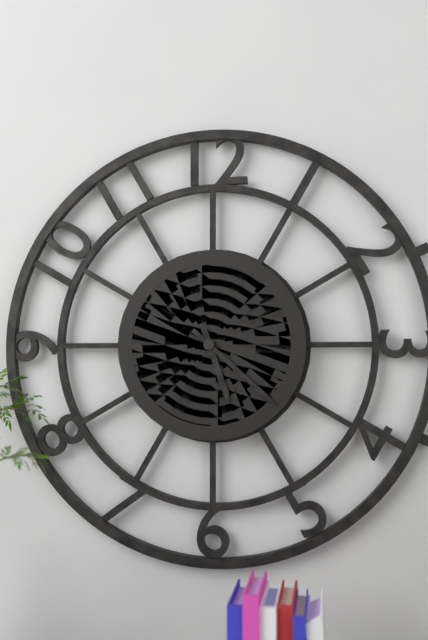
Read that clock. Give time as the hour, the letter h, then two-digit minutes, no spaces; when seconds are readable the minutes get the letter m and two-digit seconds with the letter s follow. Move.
5h22
